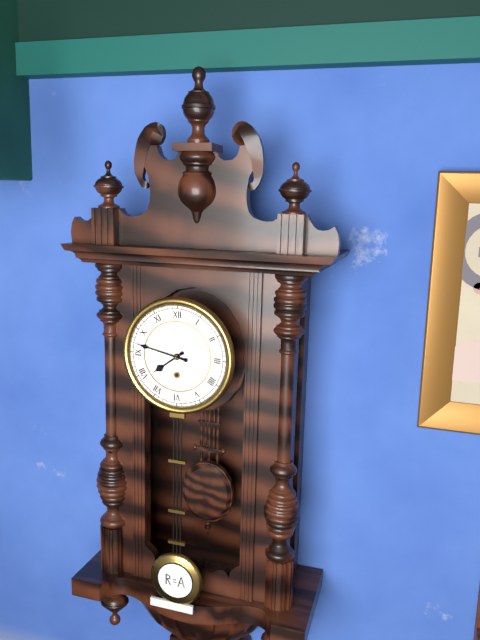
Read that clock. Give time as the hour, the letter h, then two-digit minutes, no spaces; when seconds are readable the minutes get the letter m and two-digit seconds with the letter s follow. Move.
7h47
